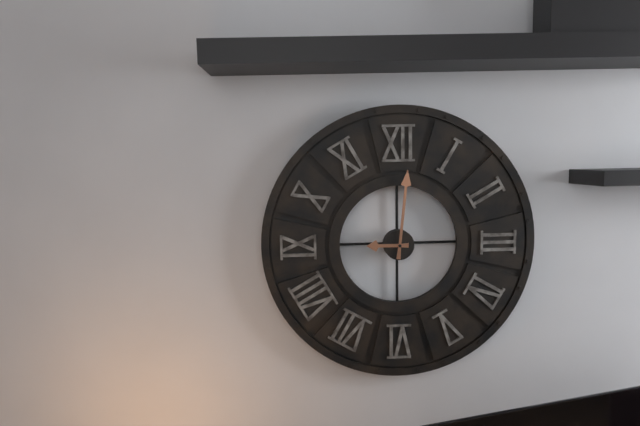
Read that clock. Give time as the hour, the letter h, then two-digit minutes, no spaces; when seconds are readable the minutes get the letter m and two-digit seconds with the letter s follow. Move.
9h01
